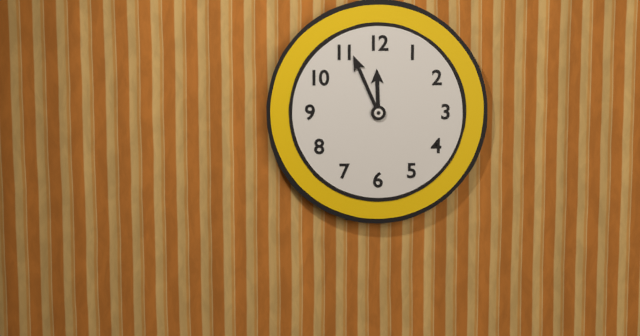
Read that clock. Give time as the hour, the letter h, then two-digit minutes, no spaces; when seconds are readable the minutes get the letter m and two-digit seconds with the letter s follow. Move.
11h56
